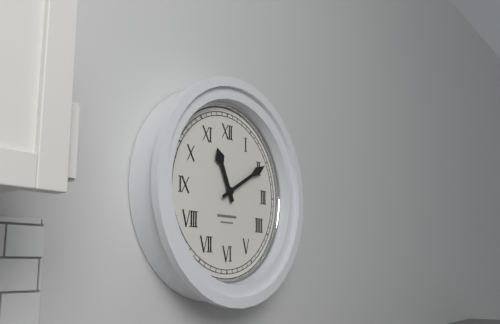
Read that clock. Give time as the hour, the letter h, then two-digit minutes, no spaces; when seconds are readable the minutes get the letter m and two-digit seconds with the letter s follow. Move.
11h10
